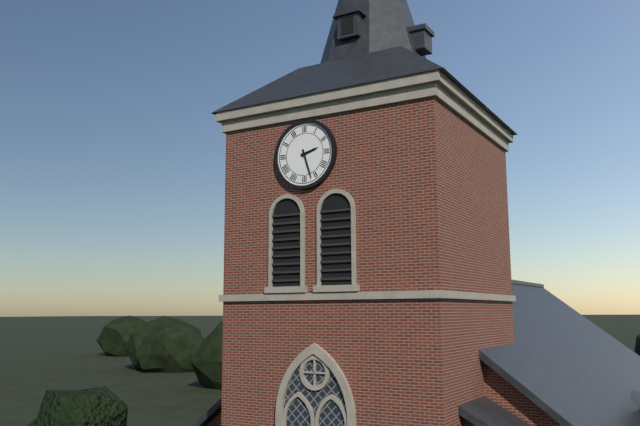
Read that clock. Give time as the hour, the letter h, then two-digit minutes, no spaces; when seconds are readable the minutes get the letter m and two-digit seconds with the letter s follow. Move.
2h27
